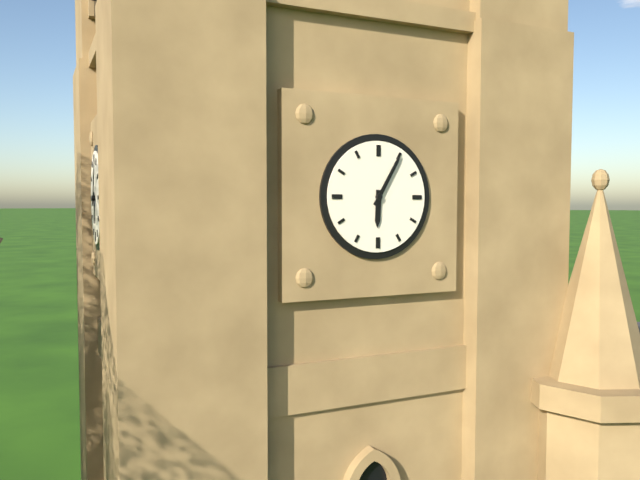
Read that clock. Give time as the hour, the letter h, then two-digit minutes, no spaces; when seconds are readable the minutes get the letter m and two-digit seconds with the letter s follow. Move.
6h05
